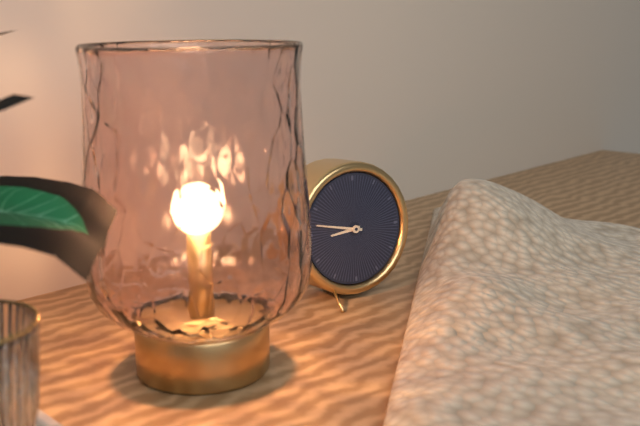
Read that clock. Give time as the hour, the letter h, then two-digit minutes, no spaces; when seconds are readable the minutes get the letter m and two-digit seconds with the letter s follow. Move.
8h47
